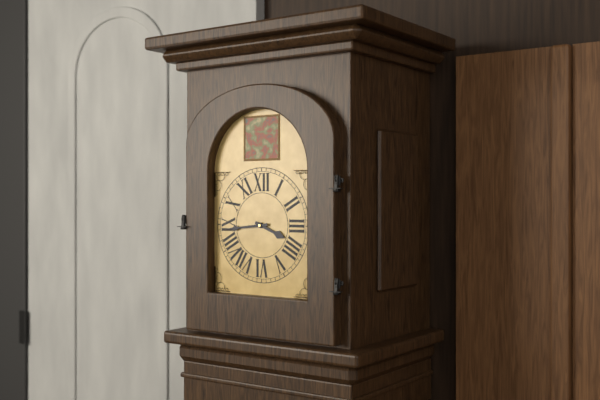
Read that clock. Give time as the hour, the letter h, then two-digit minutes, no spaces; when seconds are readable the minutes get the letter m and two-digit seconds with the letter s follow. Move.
3h44
